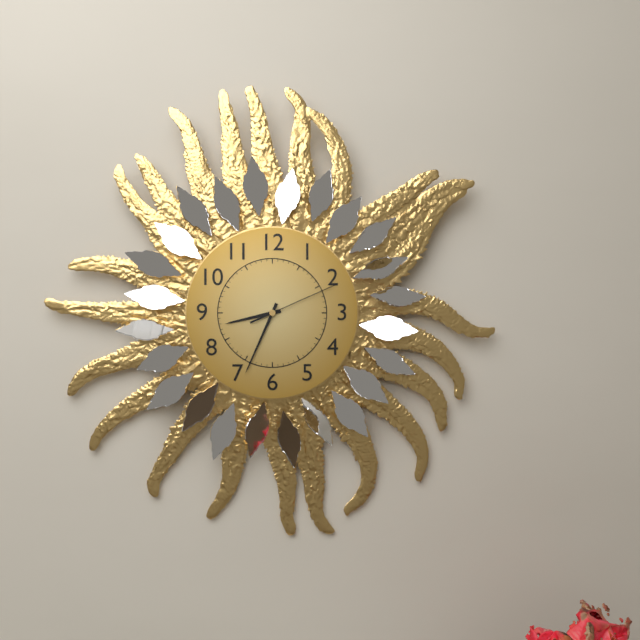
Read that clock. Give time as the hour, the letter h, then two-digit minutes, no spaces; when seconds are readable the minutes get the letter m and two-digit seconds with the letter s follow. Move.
8h34m11s
